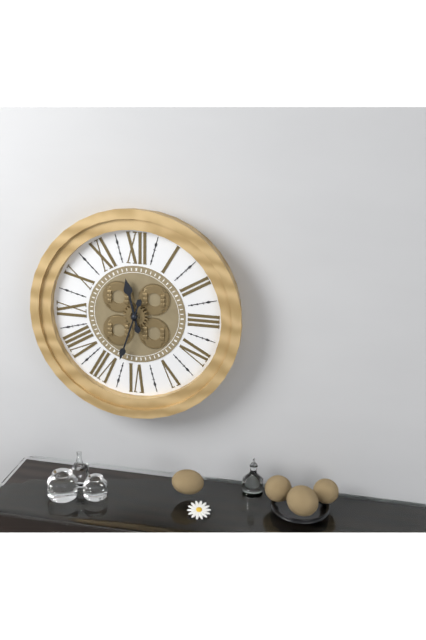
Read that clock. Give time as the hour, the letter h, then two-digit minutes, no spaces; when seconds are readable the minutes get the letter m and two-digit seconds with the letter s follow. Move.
11h33
